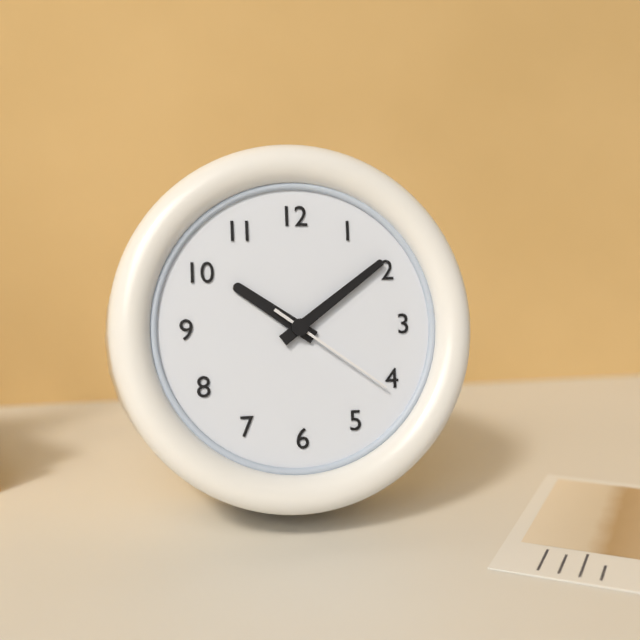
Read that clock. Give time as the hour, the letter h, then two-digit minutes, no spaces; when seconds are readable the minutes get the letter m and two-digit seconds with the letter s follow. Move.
10h09m21s
